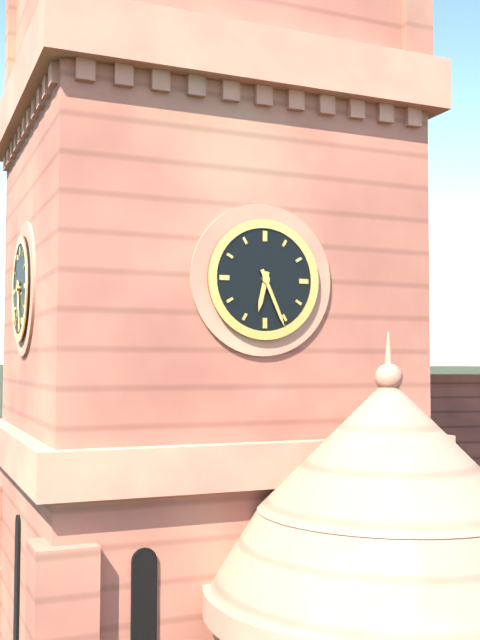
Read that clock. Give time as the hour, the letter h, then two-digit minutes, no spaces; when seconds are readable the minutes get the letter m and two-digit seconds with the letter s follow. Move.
6h26
